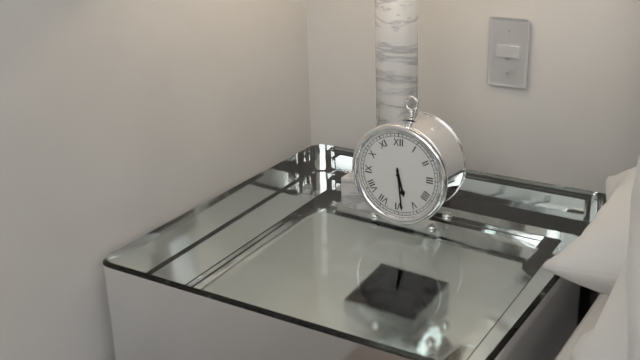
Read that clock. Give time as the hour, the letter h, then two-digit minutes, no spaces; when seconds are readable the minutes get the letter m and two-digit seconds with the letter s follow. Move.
5h29
